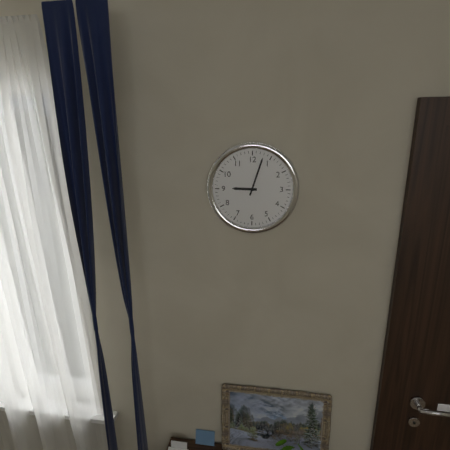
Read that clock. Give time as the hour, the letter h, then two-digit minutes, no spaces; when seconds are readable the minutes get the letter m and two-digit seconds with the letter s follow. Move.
9h03
